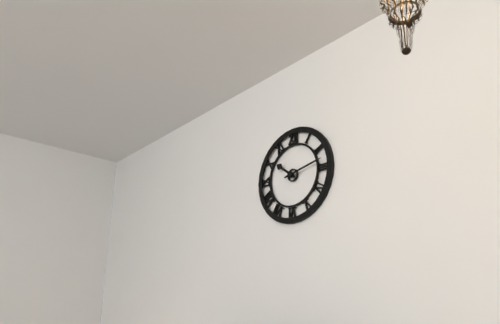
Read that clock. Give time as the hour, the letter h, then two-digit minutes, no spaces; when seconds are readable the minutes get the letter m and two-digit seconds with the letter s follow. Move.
10h13
